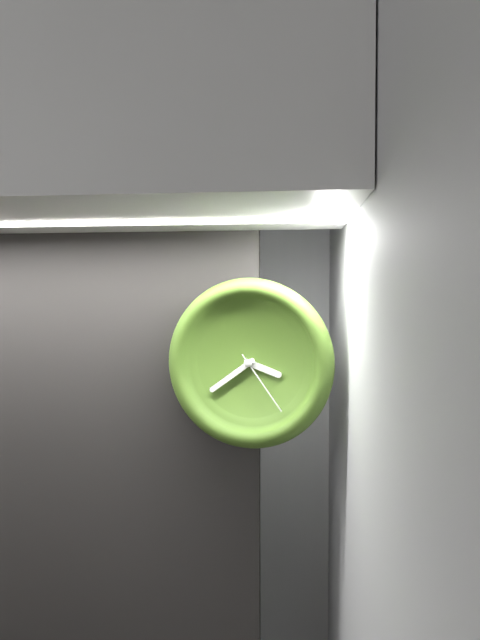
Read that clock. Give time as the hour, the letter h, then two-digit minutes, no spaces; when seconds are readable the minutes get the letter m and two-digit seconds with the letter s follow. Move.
3h39m24s
